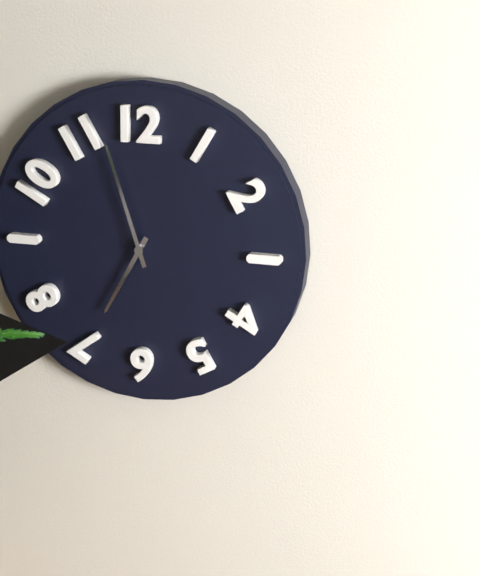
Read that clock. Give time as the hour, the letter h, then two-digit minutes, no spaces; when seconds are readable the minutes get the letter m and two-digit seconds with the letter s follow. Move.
6h57
